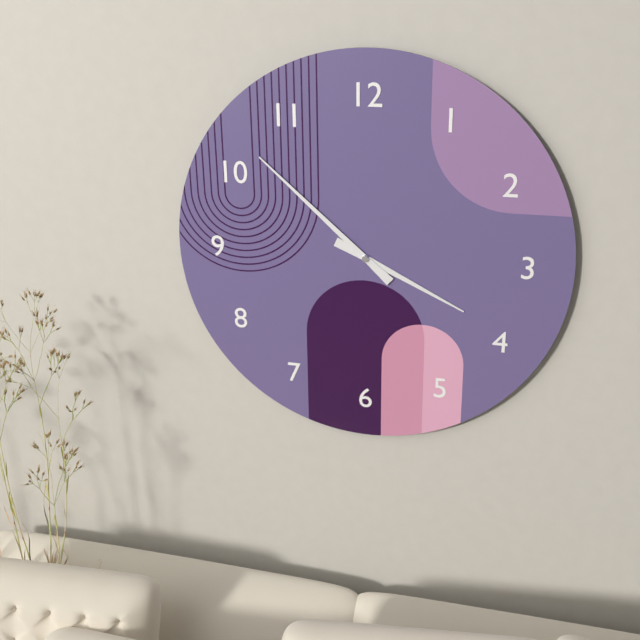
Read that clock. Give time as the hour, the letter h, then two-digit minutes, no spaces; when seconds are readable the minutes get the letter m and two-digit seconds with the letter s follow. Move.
3h52
